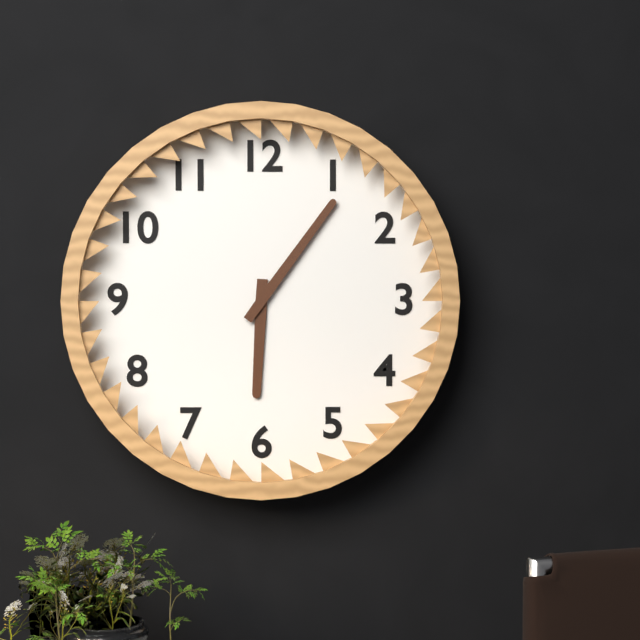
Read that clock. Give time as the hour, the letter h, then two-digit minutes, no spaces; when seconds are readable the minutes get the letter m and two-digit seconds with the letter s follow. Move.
6h06
